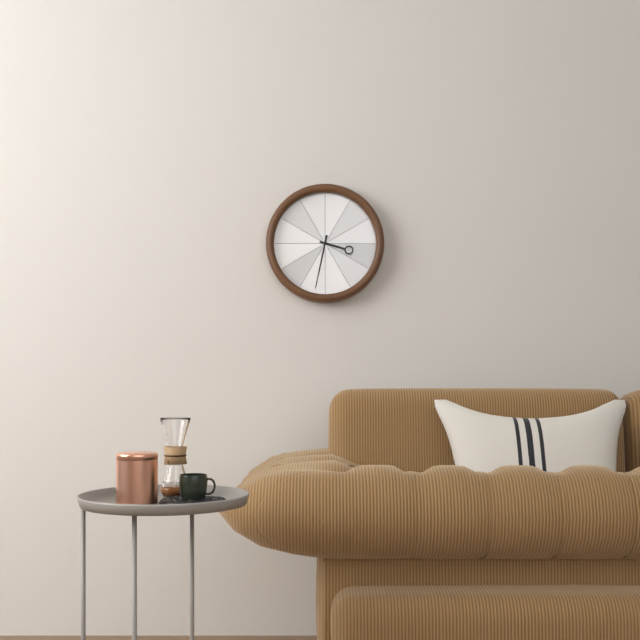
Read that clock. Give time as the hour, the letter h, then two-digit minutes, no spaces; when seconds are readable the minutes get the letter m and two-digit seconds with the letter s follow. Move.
3h32
